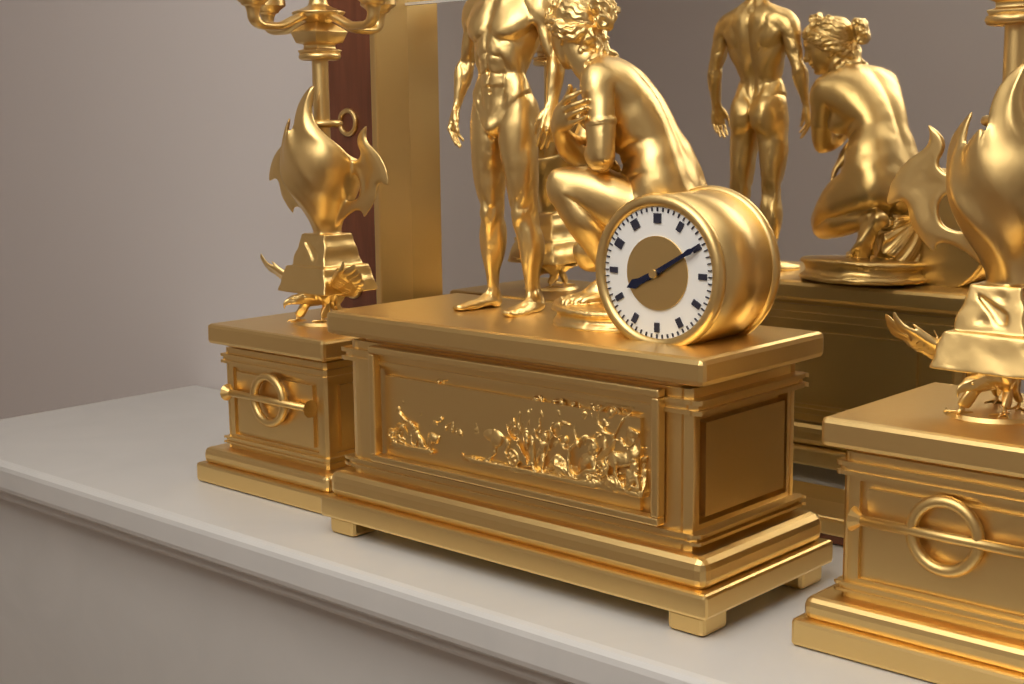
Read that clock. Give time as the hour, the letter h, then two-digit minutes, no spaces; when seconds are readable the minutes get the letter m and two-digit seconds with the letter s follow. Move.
8h10
